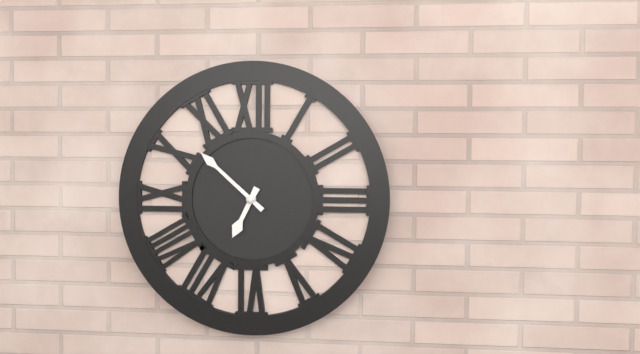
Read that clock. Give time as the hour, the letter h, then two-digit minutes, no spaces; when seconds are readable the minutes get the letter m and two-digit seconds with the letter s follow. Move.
6h52
